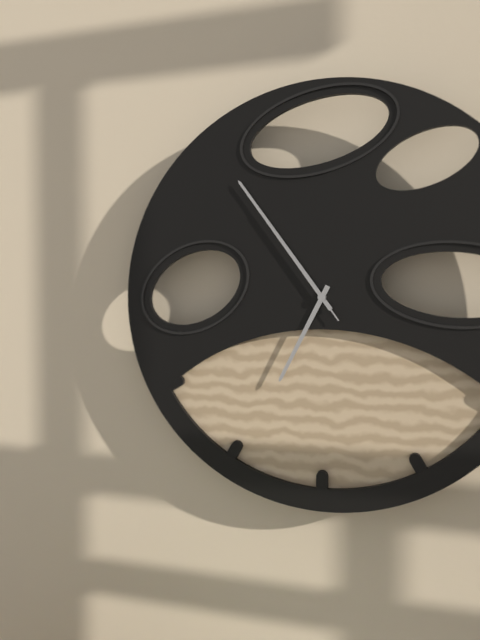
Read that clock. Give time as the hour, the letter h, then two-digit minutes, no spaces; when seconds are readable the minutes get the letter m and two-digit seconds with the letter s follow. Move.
6h54m54s
